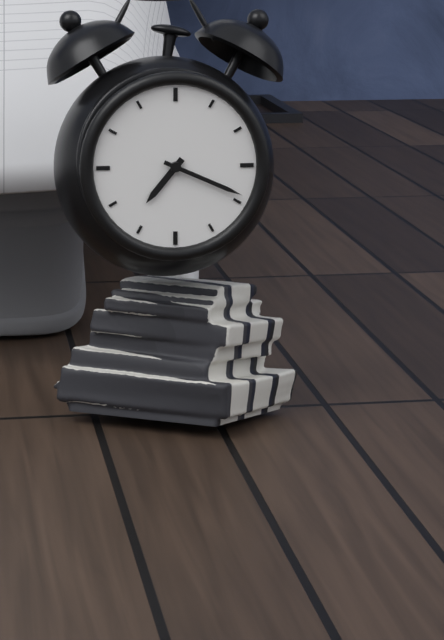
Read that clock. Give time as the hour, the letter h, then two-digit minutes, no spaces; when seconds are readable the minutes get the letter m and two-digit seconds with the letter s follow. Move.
7h19
